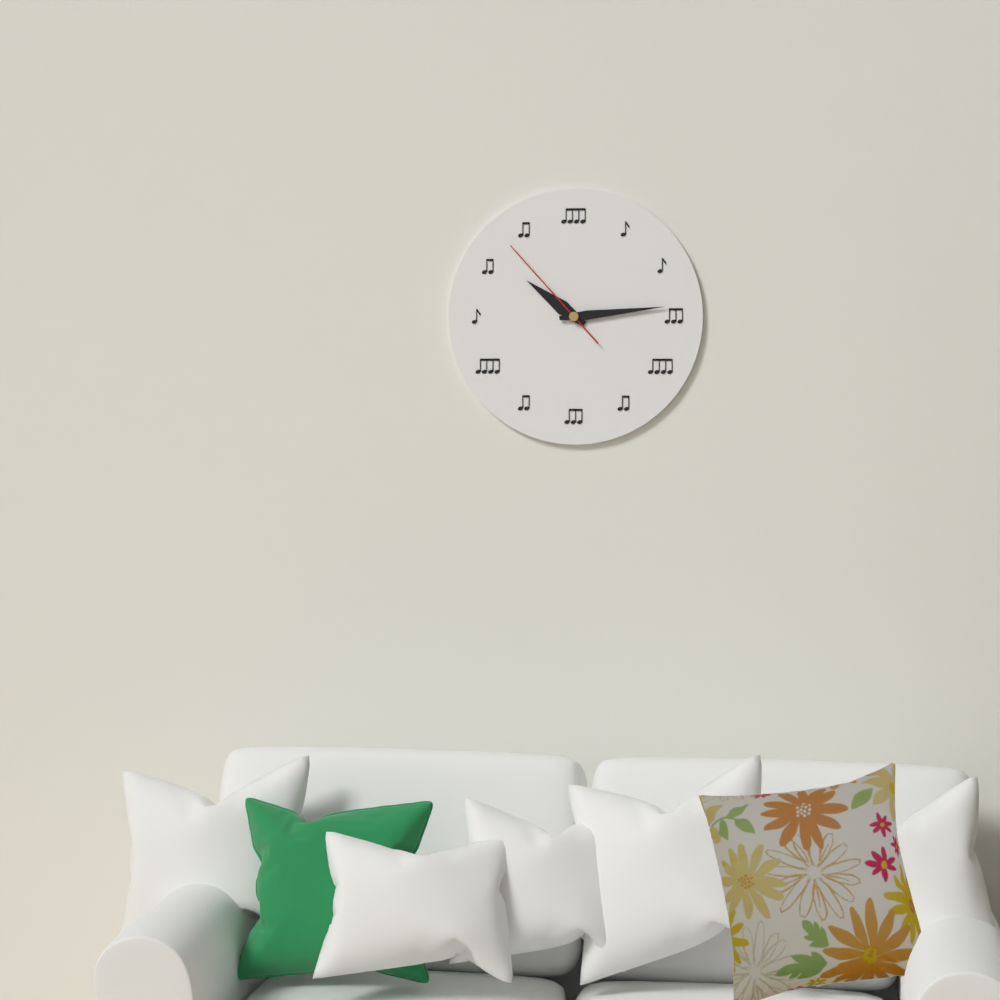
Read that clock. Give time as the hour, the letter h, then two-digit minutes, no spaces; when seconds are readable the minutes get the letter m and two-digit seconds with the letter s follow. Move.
10h14m53s
